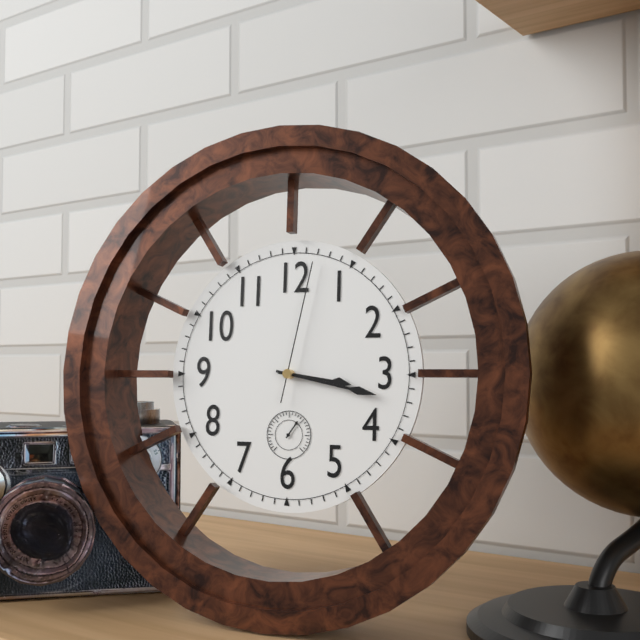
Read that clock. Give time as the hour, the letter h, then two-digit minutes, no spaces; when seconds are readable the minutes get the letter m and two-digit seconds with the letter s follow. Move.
3h17m02s
